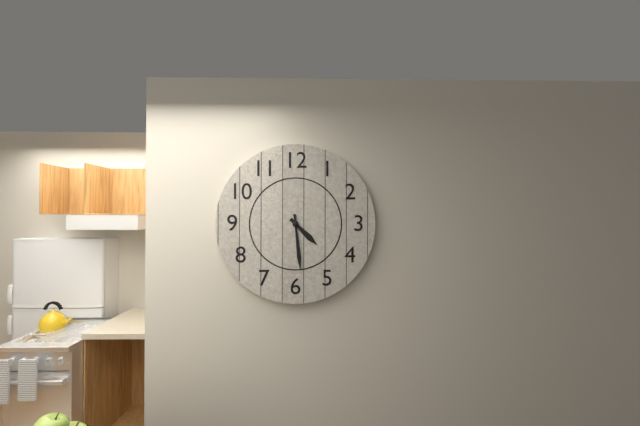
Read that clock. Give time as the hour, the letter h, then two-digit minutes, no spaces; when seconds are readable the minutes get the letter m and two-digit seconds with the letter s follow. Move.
4h29
